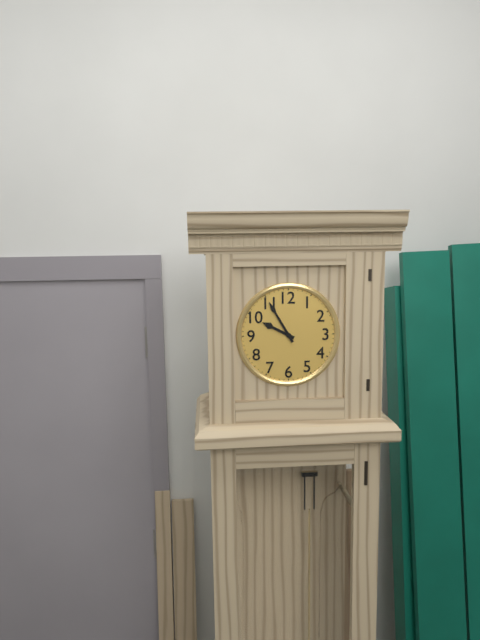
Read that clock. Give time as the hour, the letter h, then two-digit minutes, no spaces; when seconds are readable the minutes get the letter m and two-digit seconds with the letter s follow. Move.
9h55
